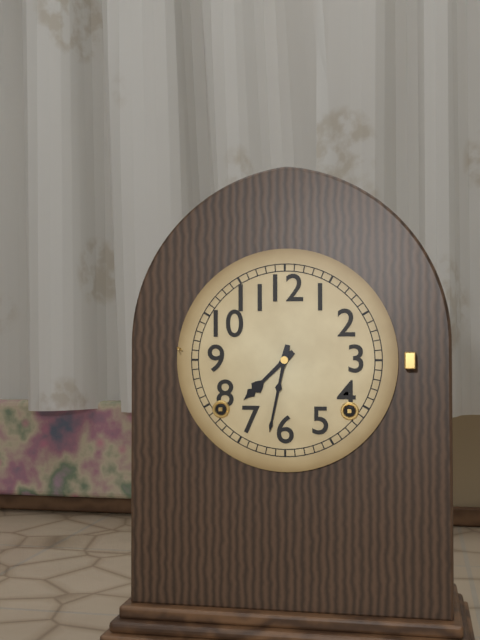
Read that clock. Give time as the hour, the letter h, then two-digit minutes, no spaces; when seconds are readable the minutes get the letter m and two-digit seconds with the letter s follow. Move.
7h32
